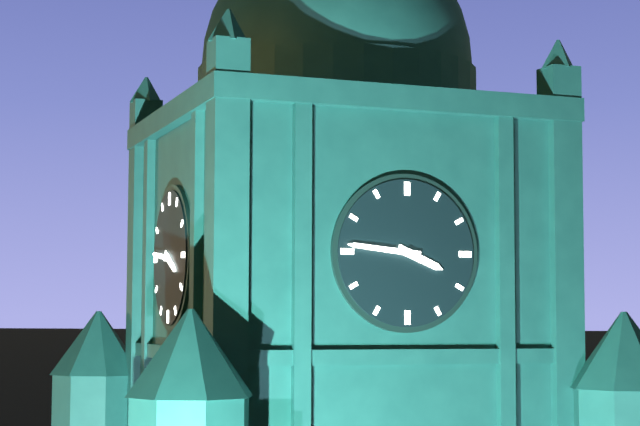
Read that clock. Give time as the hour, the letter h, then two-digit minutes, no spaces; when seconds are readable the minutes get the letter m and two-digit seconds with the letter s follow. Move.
3h46
